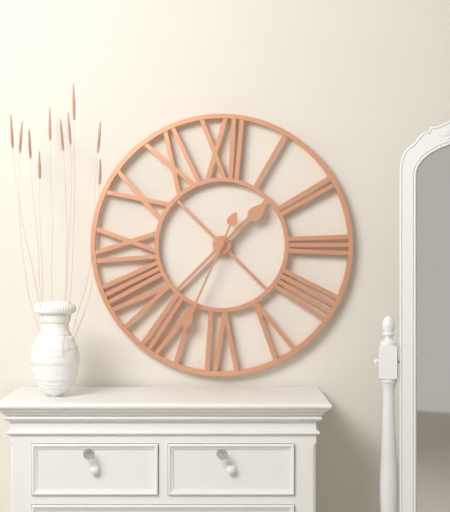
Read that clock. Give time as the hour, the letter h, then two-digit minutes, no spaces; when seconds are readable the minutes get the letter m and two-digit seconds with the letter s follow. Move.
1h34
